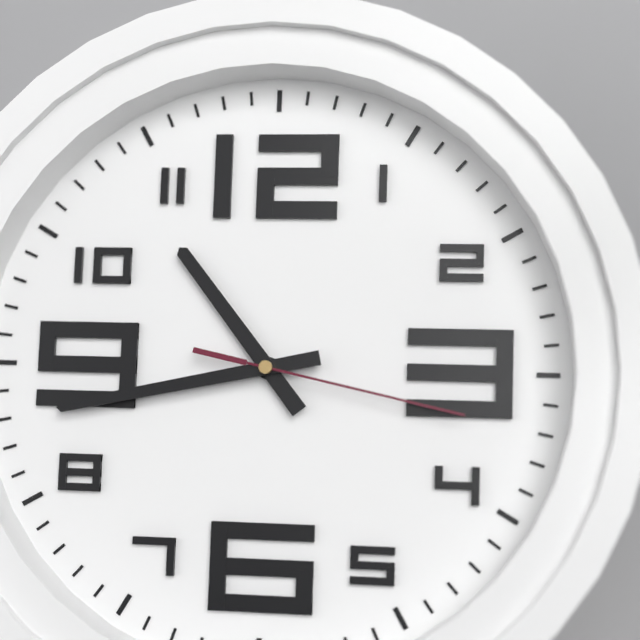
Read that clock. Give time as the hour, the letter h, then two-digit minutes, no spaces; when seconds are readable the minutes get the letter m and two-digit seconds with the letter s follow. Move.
10h43m17s
